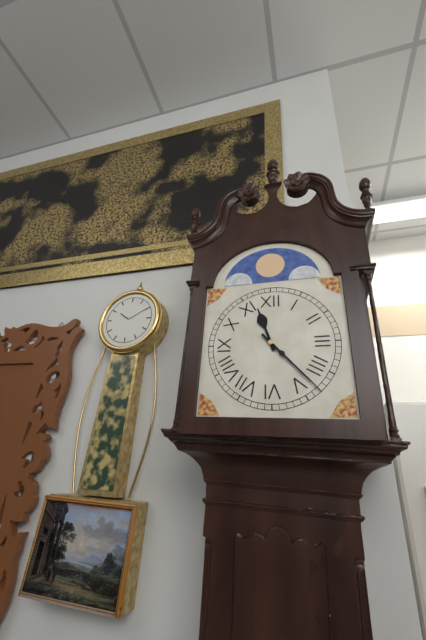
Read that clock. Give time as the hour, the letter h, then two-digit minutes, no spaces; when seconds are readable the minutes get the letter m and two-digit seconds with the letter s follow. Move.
11h23
